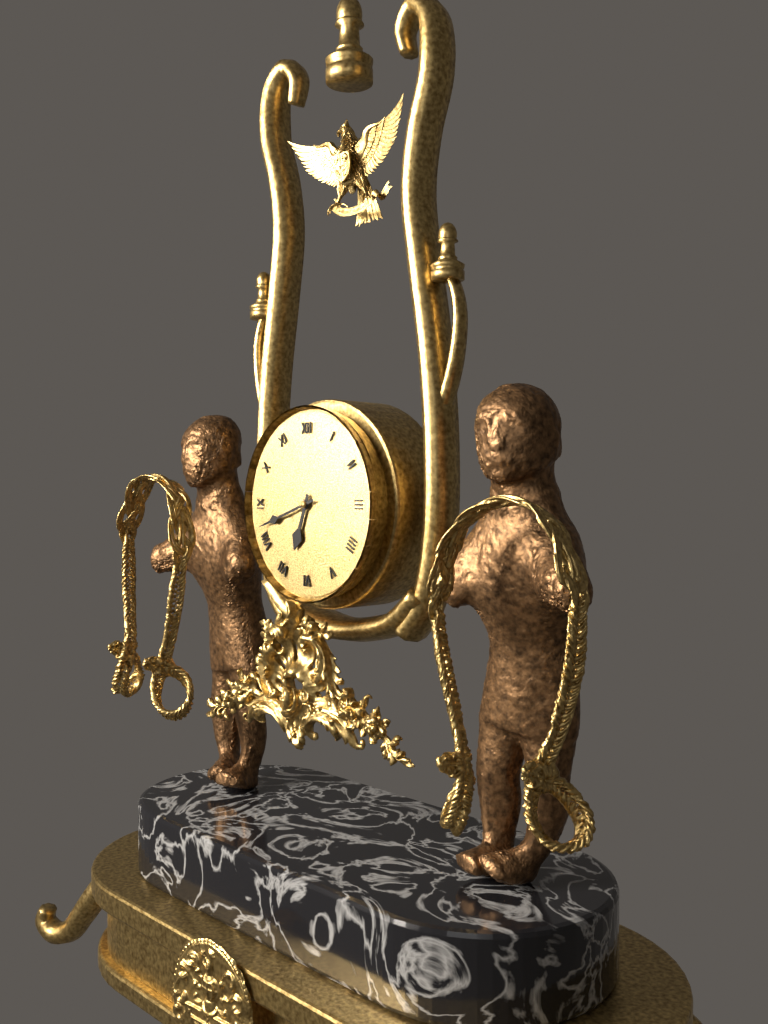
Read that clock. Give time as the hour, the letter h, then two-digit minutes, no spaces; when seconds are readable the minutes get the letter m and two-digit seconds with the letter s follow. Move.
6h42
